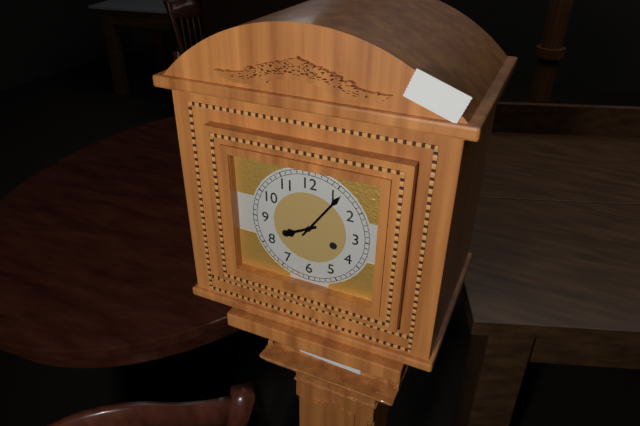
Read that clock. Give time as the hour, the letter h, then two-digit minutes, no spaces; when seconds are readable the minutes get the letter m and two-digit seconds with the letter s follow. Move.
8h06
